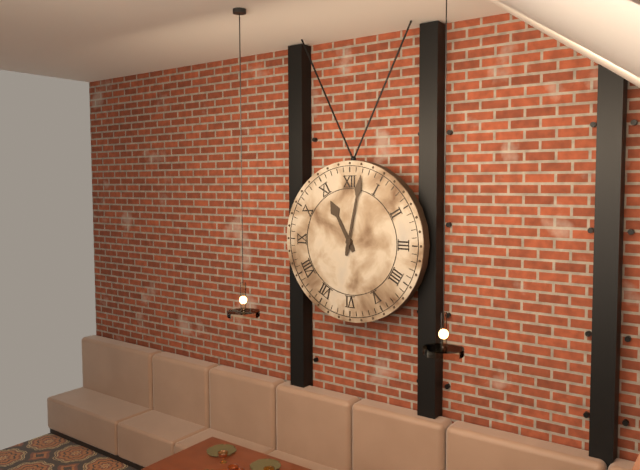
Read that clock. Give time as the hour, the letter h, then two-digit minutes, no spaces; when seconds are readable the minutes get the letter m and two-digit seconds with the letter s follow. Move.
11h02
